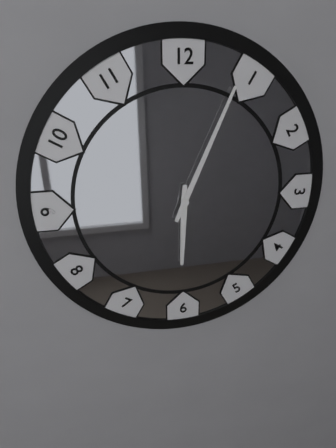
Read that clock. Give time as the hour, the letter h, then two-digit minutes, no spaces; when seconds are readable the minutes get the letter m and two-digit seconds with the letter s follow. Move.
6h04
